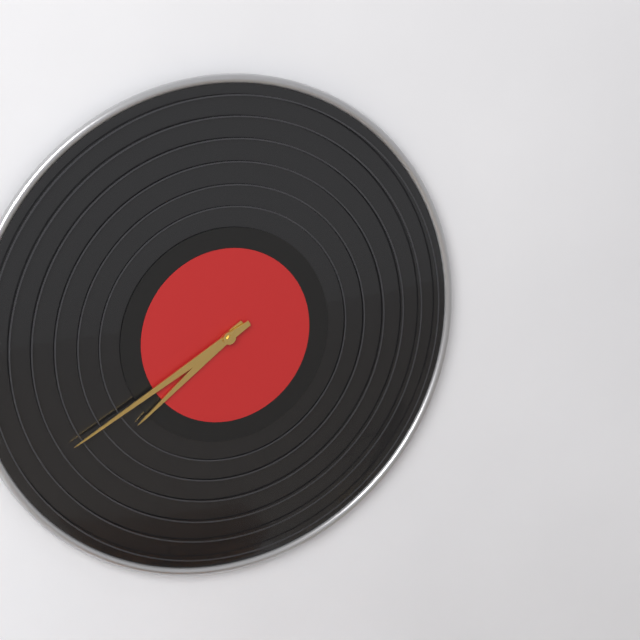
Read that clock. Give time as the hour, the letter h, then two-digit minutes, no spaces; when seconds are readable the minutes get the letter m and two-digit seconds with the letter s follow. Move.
7h40
